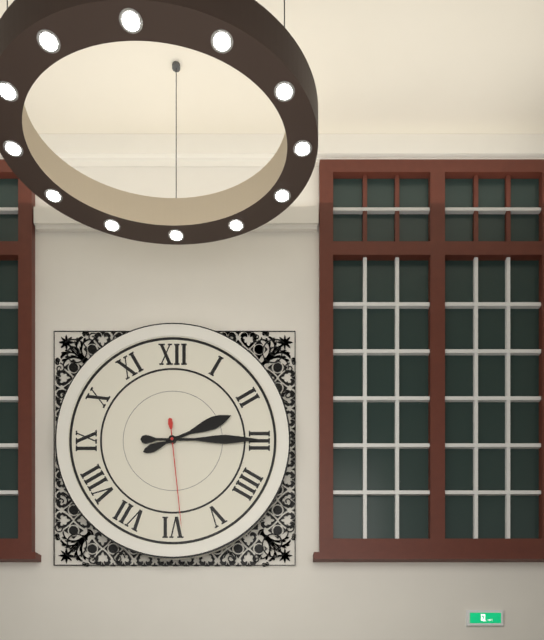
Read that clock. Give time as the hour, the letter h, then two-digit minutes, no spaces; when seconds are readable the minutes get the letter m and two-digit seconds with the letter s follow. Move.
2h15m29s
